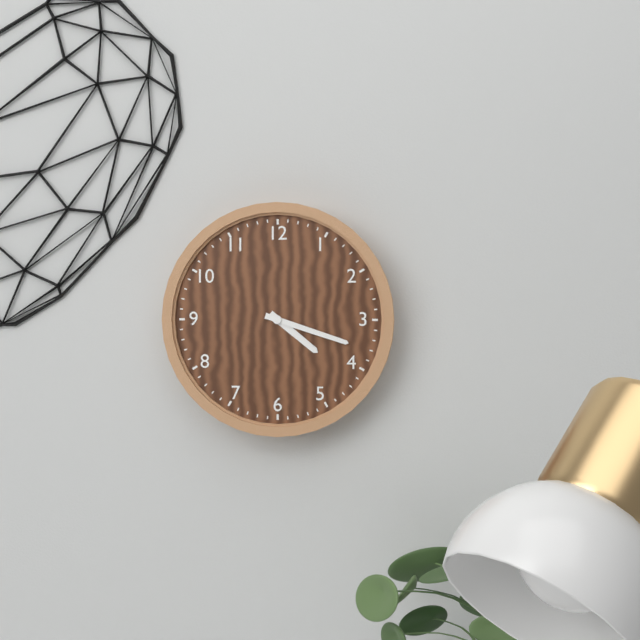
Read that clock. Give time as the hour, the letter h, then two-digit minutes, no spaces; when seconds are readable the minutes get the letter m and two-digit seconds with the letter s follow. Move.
4h18
